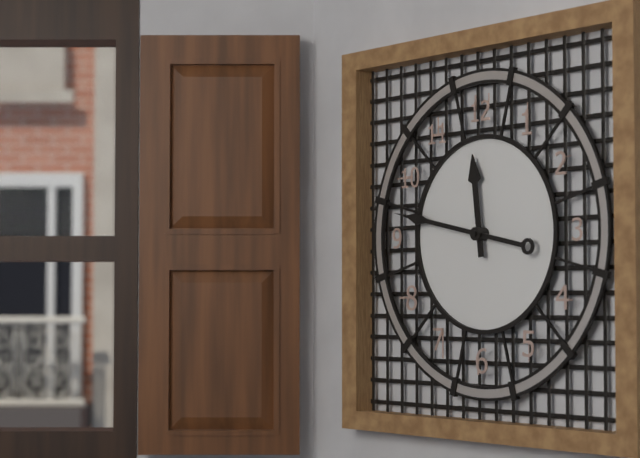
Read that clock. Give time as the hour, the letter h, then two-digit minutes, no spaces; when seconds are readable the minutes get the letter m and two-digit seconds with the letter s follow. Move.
11h47
